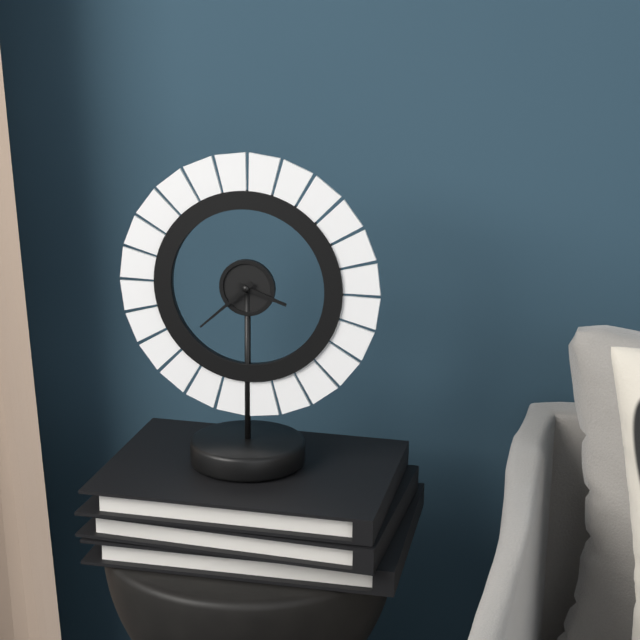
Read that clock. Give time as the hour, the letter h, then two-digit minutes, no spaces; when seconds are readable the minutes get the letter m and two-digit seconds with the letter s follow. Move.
3h38
